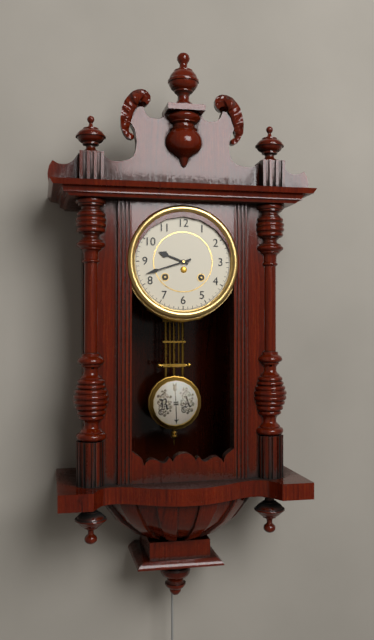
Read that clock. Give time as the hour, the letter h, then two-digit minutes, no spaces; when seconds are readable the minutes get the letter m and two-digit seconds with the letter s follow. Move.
9h42
